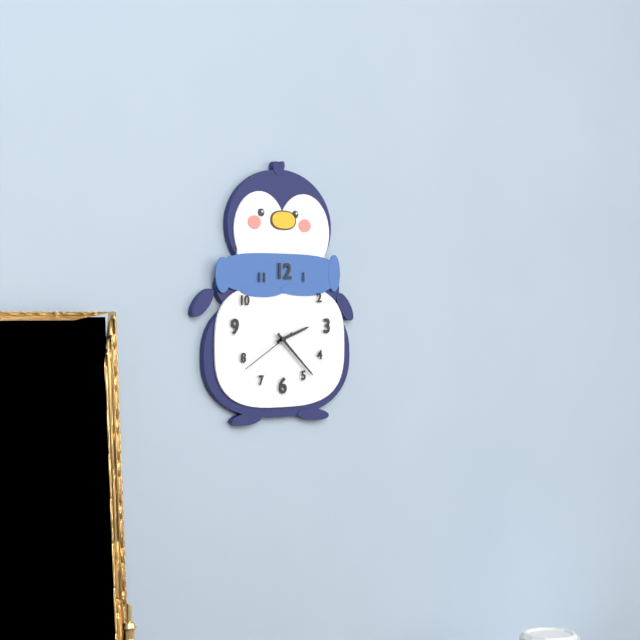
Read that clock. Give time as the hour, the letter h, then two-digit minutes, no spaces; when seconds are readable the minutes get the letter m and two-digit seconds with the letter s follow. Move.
2h22m40s
